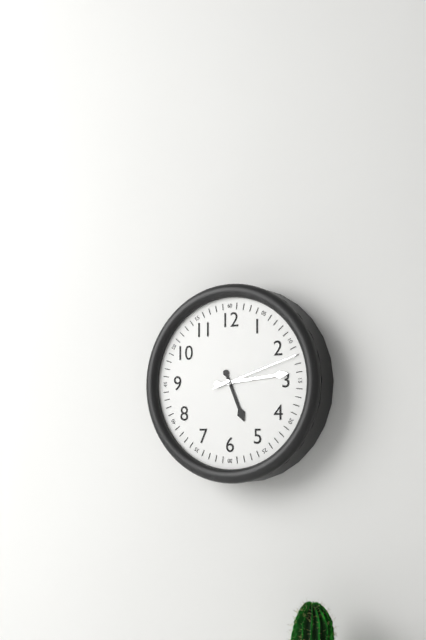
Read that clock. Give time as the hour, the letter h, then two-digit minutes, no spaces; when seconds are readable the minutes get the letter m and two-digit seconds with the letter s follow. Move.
5h14m12s
